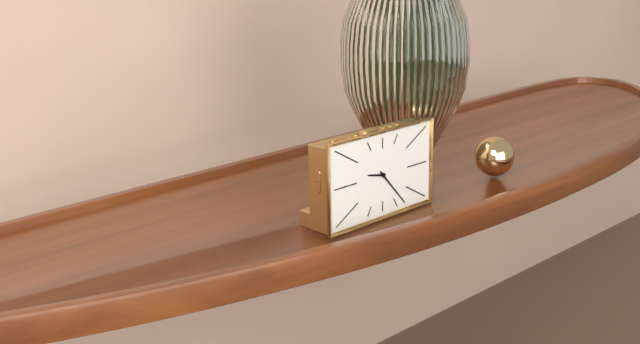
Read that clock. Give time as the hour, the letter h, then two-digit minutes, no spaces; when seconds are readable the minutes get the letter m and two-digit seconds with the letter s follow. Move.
9h23
